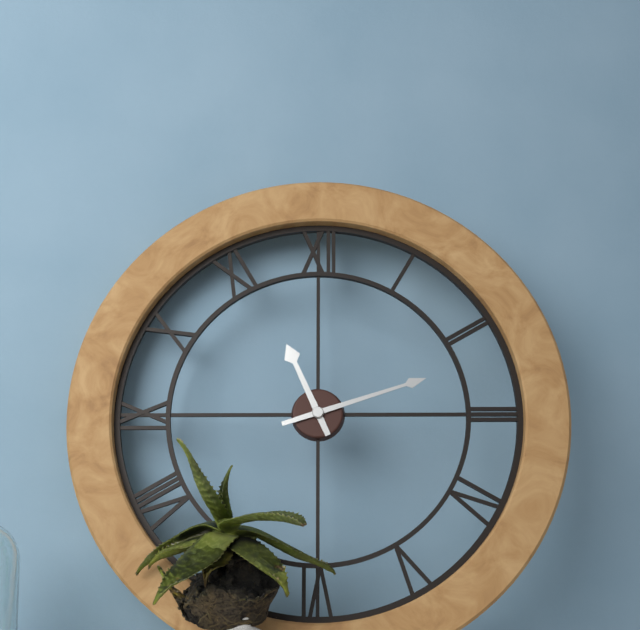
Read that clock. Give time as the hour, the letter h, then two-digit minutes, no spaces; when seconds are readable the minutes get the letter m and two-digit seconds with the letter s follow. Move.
11h12
